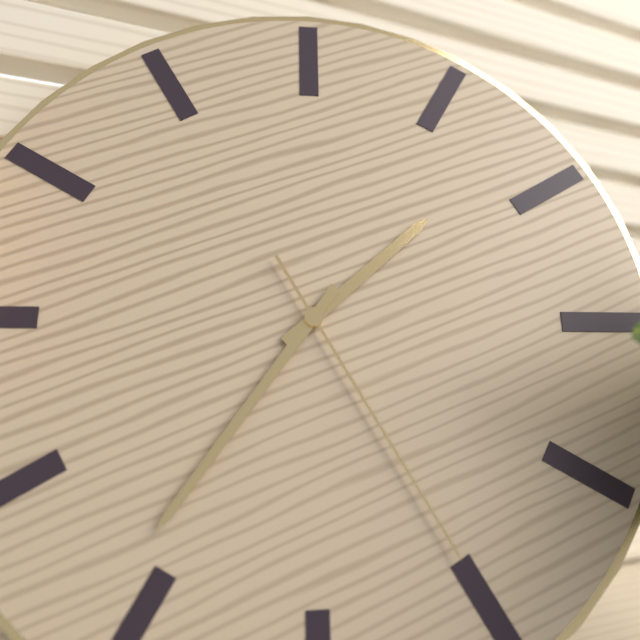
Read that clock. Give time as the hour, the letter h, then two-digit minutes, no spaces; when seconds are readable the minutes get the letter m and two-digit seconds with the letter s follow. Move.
1h36m25s
